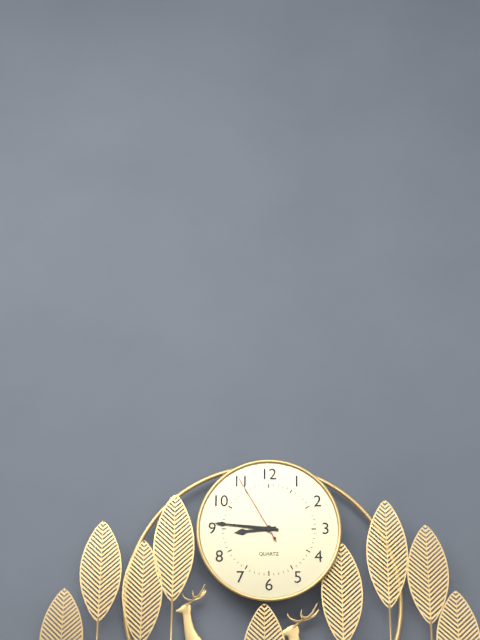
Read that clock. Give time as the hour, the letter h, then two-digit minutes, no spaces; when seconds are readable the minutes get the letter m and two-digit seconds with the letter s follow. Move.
8h46m55s
